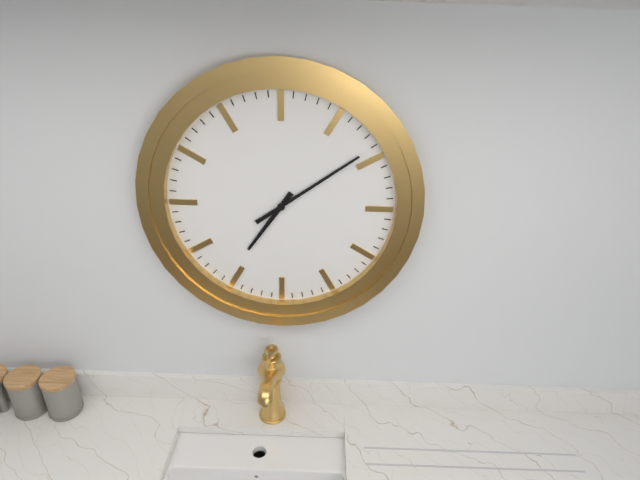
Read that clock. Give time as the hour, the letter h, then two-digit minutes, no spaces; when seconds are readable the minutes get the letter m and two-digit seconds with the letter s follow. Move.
7h09
